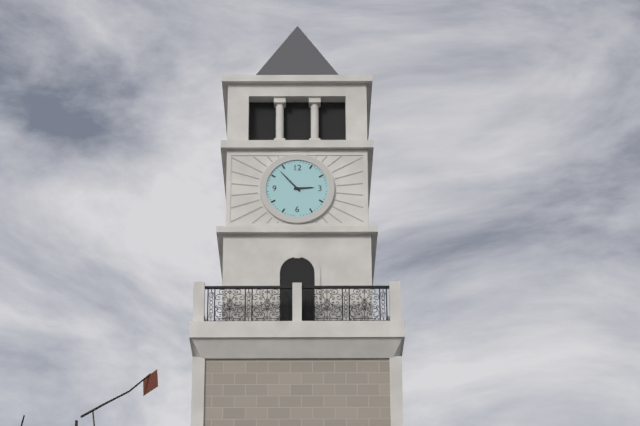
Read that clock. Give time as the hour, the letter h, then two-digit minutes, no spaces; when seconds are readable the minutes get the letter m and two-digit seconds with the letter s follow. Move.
2h53
